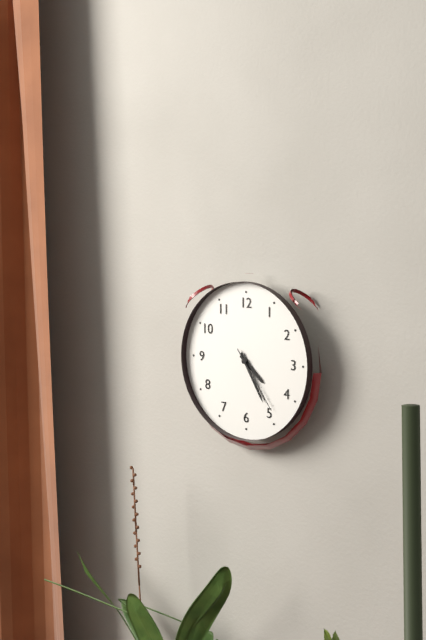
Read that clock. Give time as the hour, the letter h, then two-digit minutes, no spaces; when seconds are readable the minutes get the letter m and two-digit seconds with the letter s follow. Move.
4h25m24s
